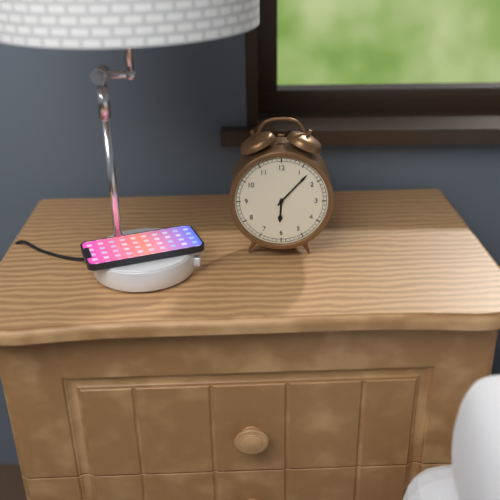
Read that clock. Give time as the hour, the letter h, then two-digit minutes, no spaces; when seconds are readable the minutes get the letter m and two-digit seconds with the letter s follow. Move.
6h07
